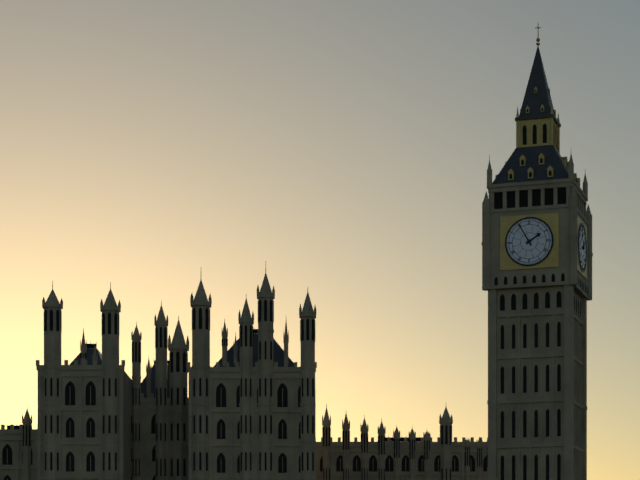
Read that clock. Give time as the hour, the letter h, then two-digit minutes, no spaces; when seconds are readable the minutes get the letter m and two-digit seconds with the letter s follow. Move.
1h55
